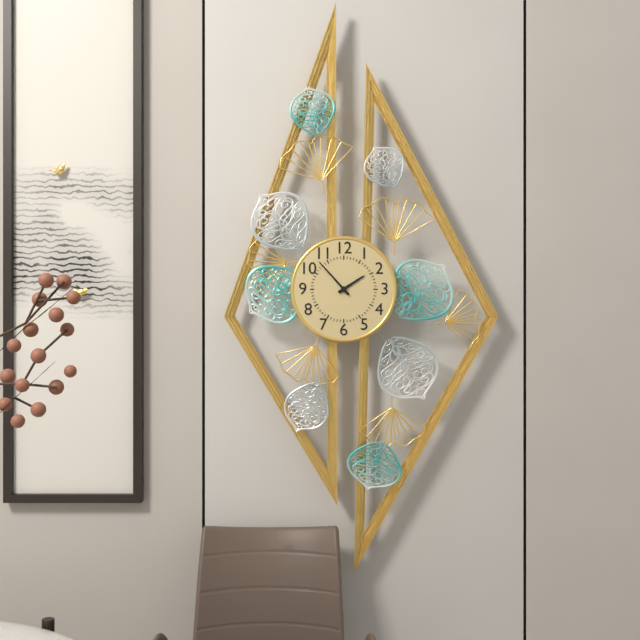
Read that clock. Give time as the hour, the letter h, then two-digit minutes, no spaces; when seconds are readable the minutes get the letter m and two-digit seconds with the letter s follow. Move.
1h53
